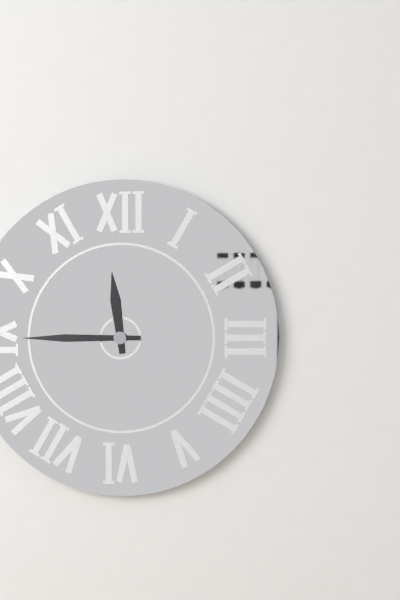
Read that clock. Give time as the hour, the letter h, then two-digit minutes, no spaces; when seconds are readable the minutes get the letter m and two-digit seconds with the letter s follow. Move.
11h45
